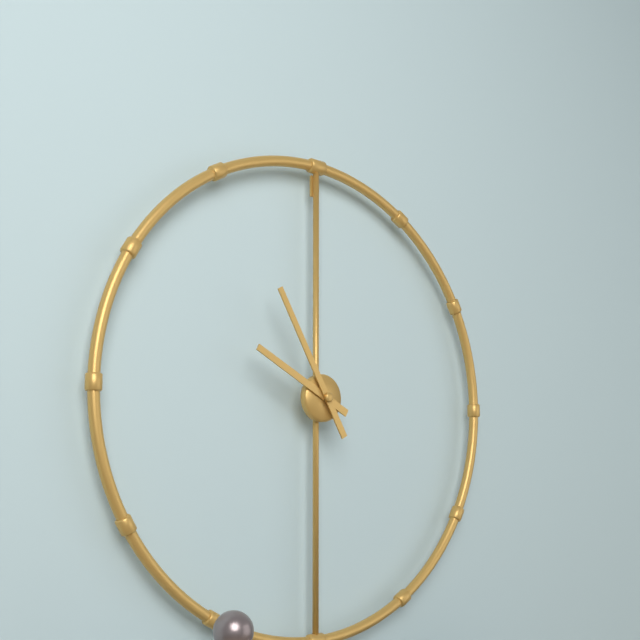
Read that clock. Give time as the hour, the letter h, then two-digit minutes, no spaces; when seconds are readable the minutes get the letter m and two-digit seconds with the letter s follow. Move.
9h55
